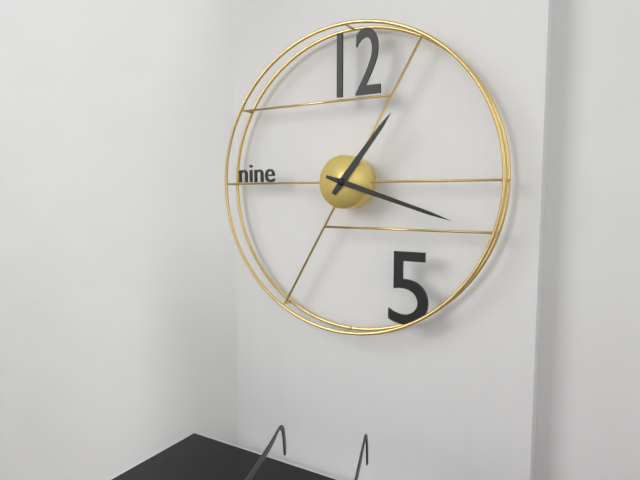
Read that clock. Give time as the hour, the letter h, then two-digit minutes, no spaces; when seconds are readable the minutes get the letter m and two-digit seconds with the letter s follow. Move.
1h18
